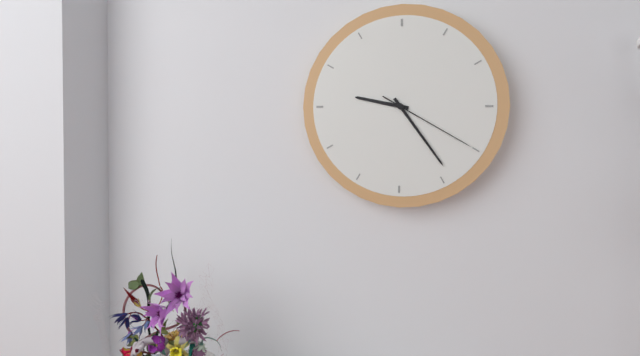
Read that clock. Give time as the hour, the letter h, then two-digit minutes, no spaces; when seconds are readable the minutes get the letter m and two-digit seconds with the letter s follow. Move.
9h24m20s
